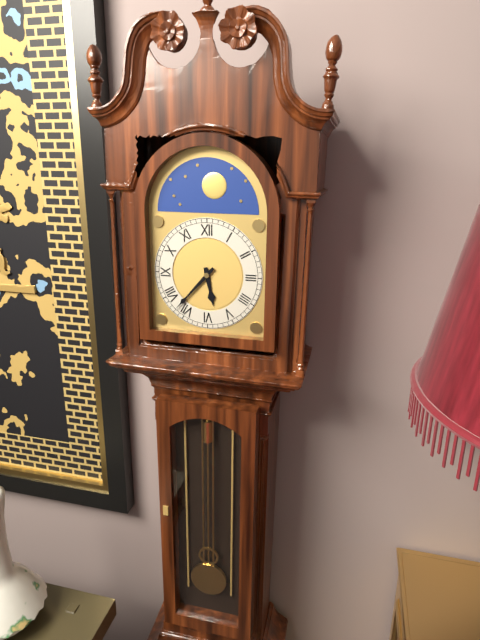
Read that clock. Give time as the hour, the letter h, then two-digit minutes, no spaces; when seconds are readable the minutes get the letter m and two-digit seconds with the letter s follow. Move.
5h37
